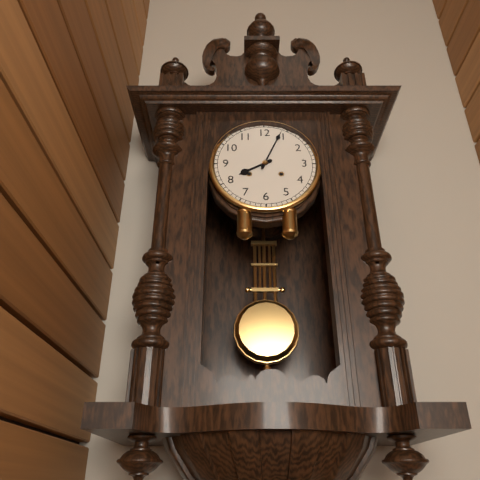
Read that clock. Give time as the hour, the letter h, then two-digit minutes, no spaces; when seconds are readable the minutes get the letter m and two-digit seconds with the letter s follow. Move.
8h04
